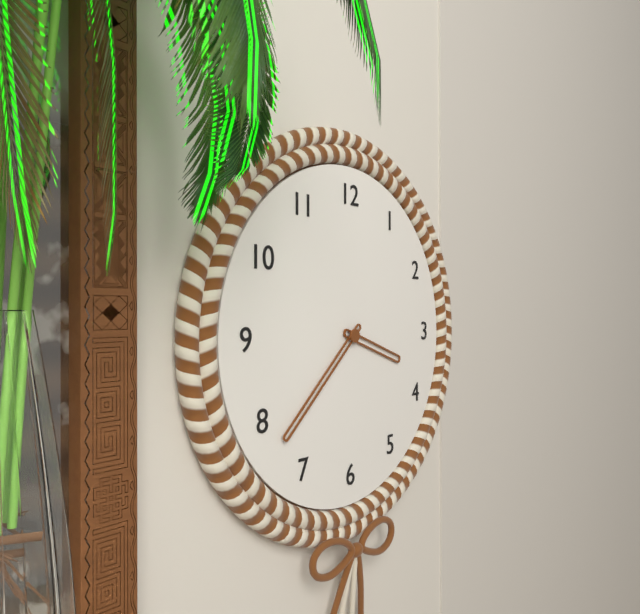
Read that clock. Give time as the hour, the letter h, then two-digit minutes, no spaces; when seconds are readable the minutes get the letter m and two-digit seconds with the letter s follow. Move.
3h38
